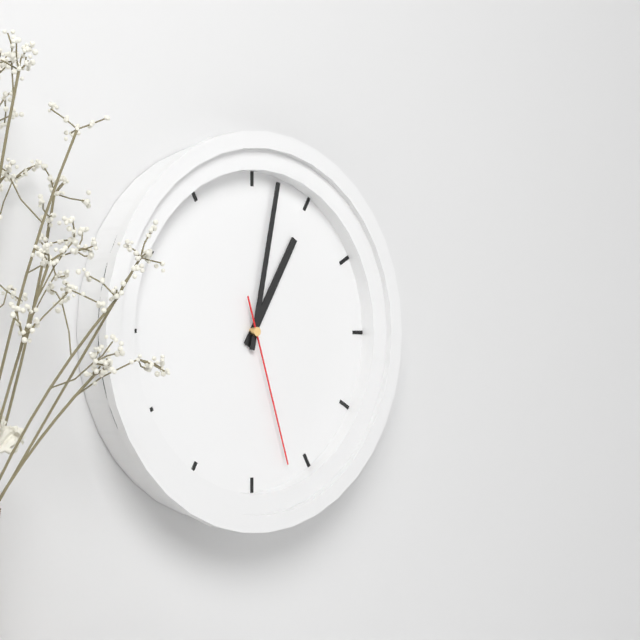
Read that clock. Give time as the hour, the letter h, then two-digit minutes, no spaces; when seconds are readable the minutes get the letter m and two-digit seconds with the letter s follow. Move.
1h02m27s
